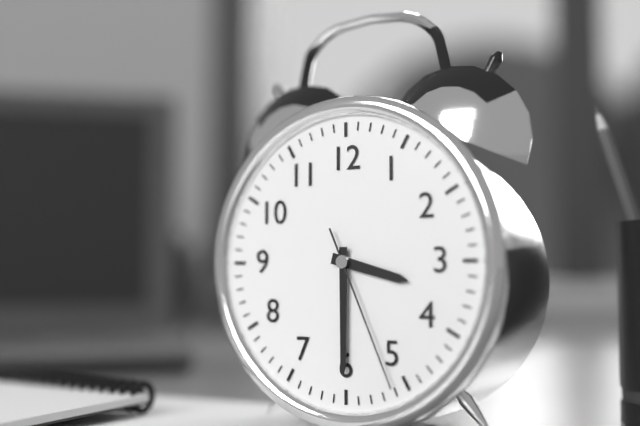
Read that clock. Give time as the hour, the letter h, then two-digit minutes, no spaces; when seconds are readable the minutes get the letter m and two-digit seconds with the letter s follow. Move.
3h30m26s
